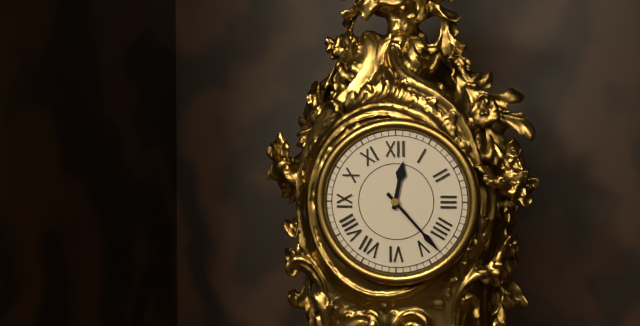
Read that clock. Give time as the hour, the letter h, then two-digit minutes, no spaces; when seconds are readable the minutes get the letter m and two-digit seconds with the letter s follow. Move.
12h23
